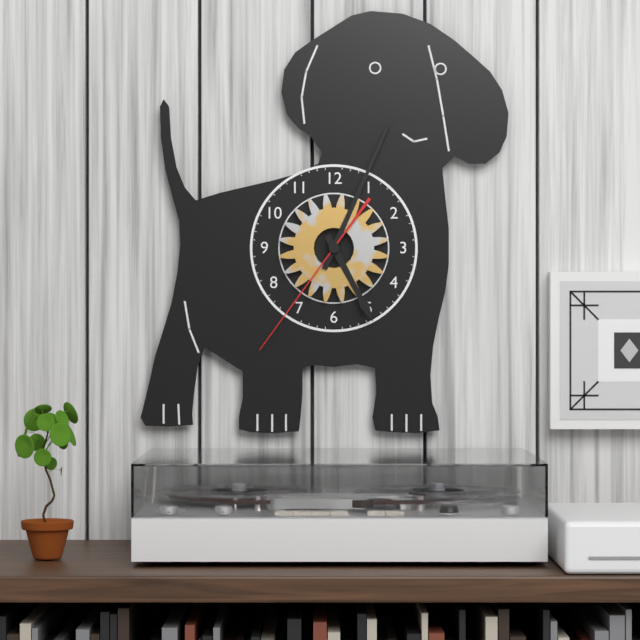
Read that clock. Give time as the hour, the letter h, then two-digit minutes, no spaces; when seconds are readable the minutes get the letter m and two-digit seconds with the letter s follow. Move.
5h04m36s
